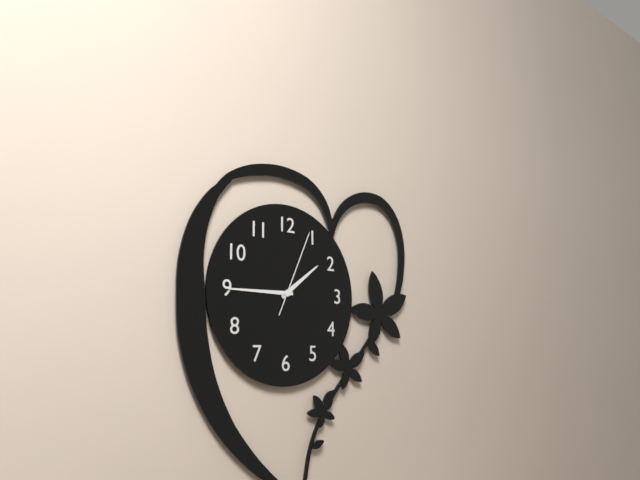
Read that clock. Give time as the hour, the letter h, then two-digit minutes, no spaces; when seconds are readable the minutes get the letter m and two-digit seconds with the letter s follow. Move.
1h45m04s
